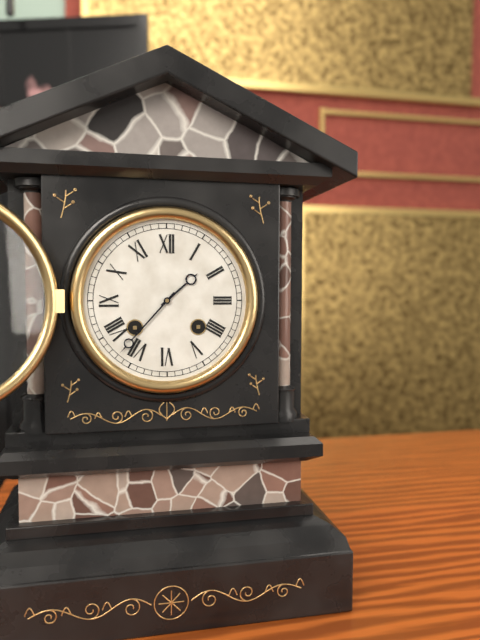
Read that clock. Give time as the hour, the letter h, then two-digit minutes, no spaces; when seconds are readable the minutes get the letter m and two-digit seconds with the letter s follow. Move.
1h37
